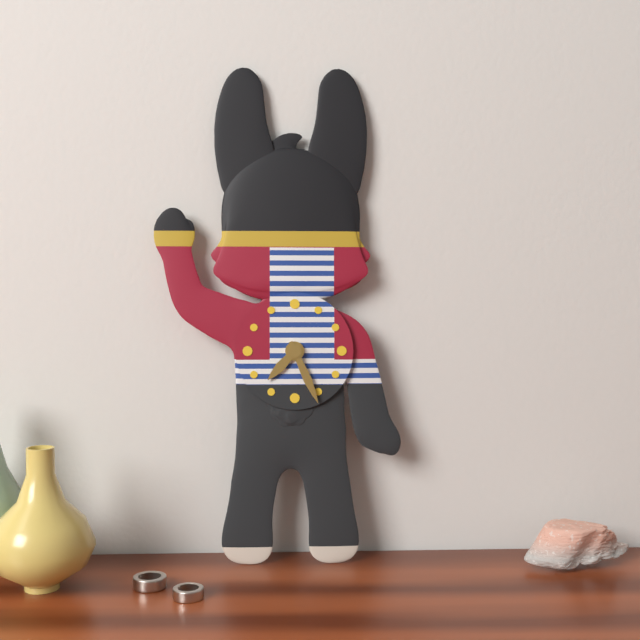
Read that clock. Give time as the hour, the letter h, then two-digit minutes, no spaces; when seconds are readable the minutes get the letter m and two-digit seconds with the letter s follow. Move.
7h26
